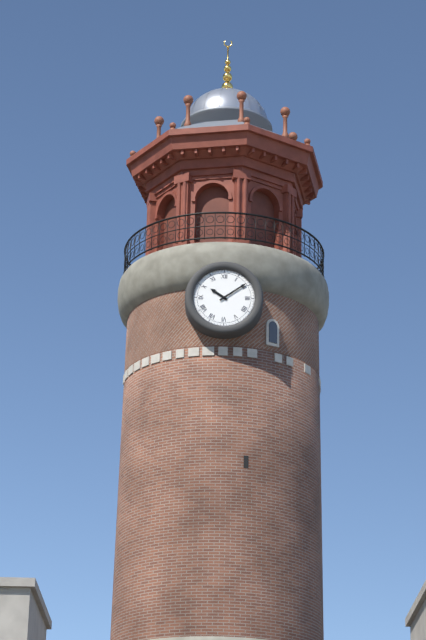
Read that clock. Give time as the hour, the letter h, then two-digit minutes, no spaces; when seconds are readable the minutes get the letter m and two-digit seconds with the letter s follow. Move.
10h09
